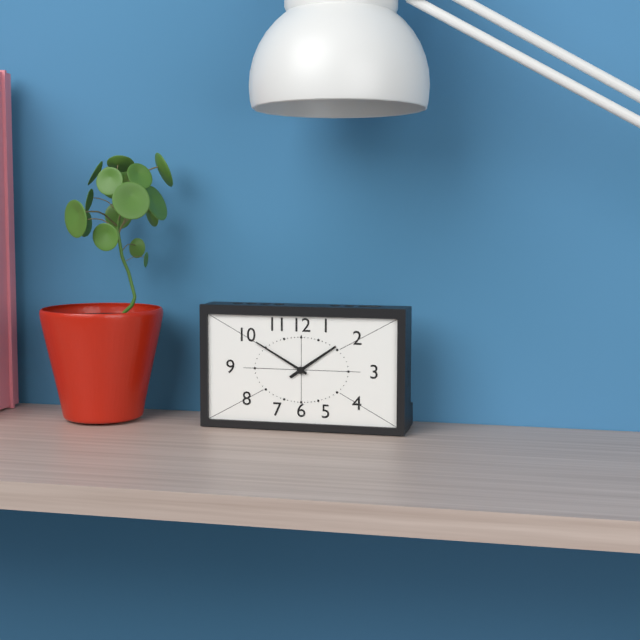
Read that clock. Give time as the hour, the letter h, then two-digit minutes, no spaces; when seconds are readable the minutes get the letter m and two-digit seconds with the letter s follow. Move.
1h50
